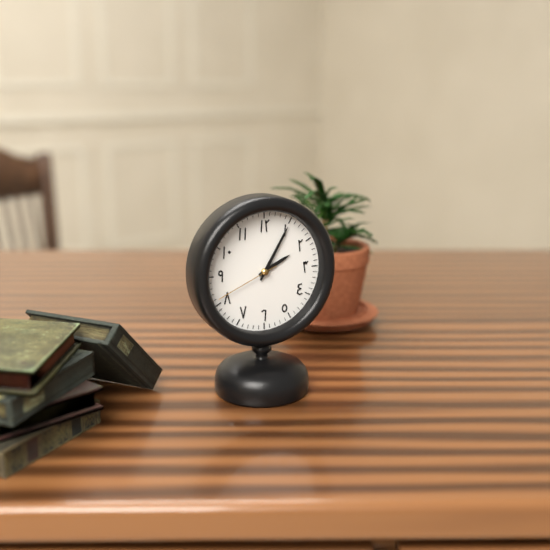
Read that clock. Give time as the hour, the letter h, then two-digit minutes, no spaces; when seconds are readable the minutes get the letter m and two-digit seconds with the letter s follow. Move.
2h05m41s
